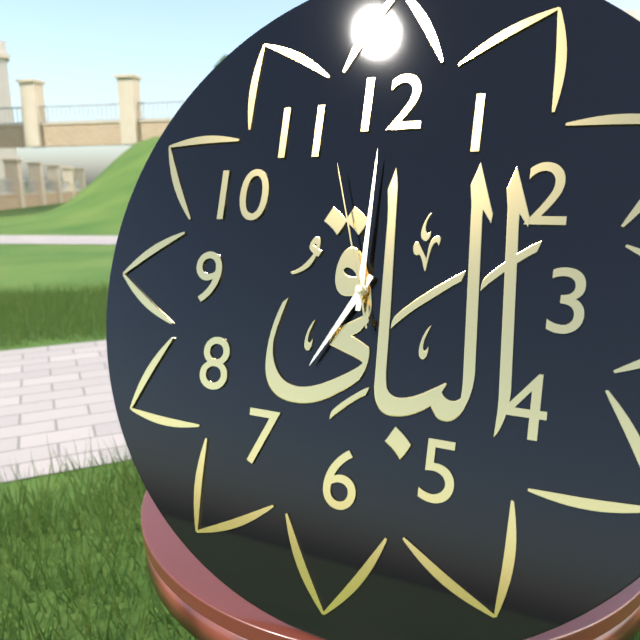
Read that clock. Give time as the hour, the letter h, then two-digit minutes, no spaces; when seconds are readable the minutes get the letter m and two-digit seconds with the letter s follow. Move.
7h00m57s
